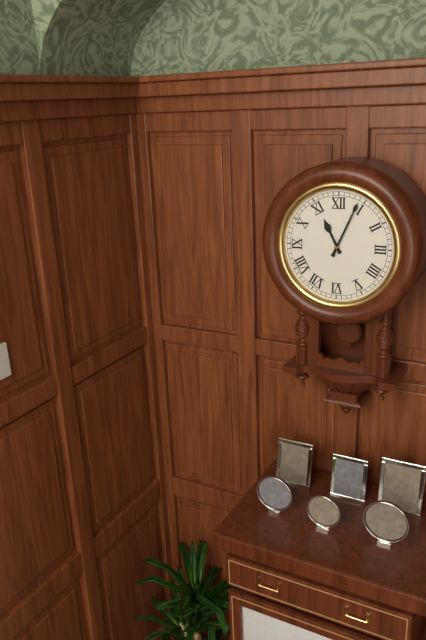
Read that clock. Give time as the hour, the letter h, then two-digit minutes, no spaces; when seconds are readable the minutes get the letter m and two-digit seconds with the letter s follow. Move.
11h04
